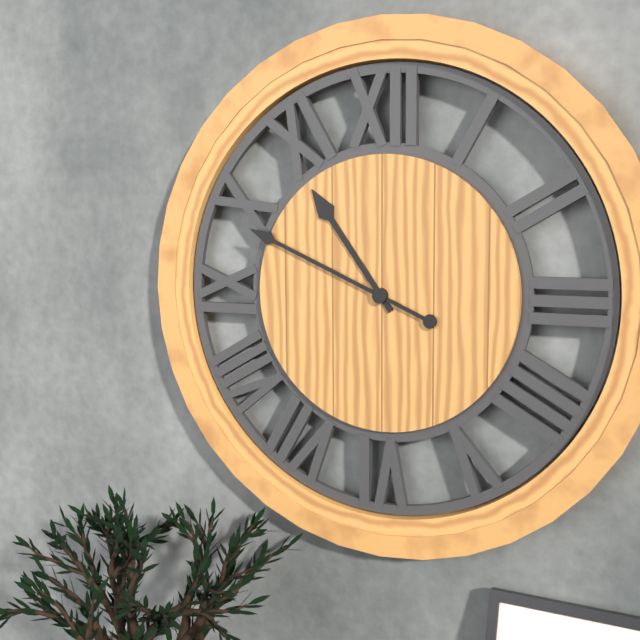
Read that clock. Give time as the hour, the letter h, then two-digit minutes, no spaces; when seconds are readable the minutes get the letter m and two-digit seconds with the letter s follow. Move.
10h49
